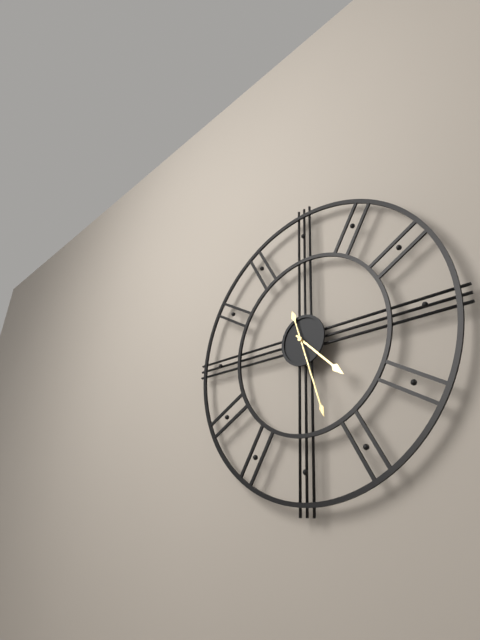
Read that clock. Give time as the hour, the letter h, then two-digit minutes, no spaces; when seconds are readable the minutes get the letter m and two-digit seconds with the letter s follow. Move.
4h27
